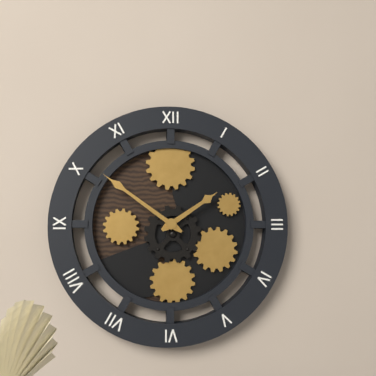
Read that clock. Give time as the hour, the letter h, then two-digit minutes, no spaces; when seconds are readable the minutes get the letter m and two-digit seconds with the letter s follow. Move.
1h51
